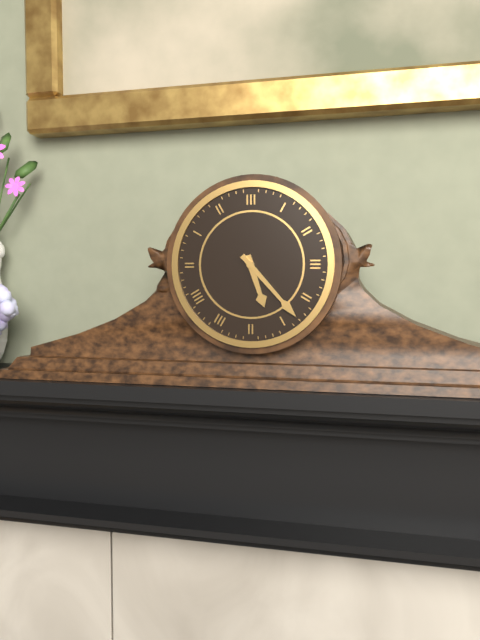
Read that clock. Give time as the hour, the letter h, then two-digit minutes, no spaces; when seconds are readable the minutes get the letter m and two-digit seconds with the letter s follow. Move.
5h23
